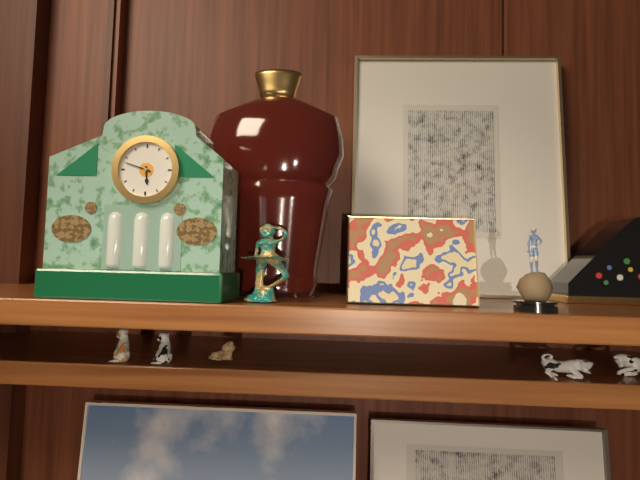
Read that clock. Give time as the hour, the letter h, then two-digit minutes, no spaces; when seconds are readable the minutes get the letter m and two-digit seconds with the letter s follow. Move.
5h48
